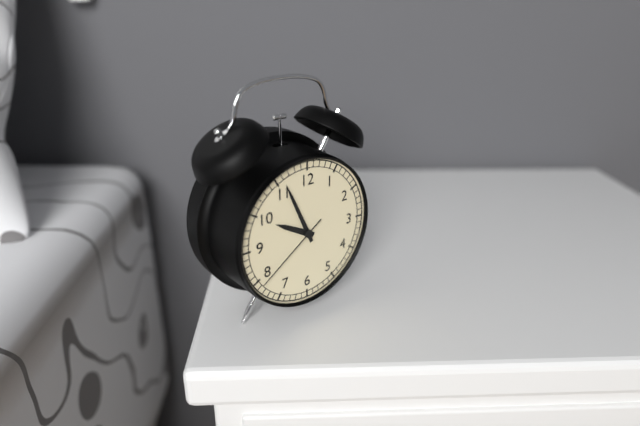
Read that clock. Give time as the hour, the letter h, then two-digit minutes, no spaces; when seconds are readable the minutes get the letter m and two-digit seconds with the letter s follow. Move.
9h56m39s
